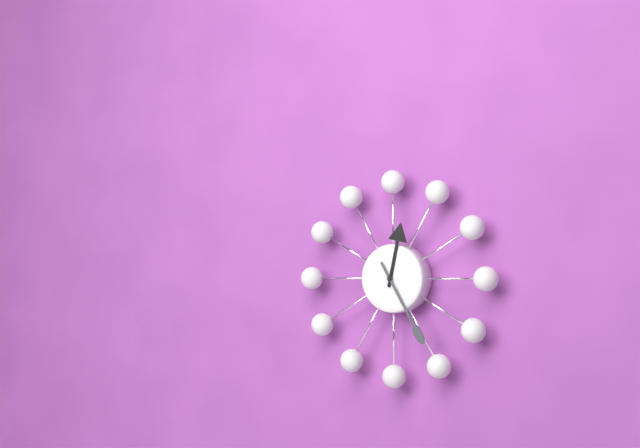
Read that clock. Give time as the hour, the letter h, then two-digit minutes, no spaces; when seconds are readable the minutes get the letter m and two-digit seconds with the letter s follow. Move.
12h25
